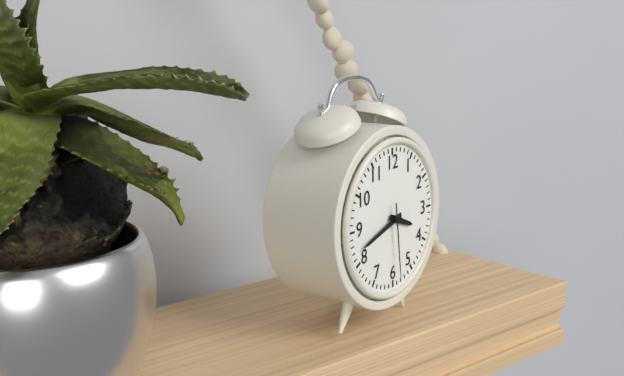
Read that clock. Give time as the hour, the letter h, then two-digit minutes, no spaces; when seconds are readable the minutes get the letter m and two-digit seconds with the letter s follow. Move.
3h42m29s
